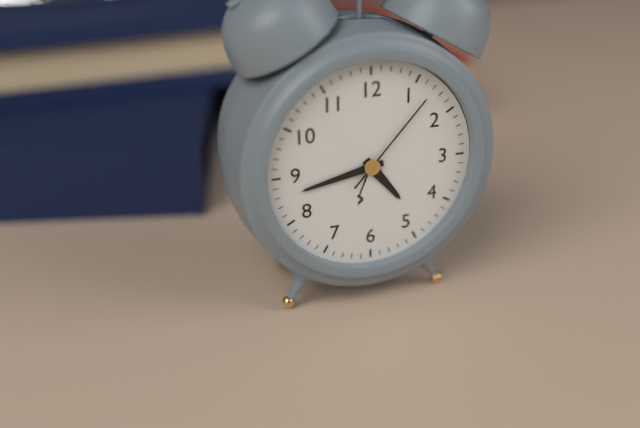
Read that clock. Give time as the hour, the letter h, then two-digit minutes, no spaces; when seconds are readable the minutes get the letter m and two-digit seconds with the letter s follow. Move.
4h43m07s
